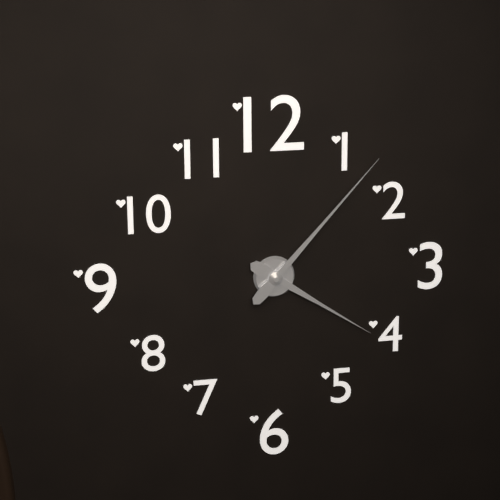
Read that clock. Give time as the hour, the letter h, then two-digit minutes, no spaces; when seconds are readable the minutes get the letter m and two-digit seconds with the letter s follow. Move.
4h07
